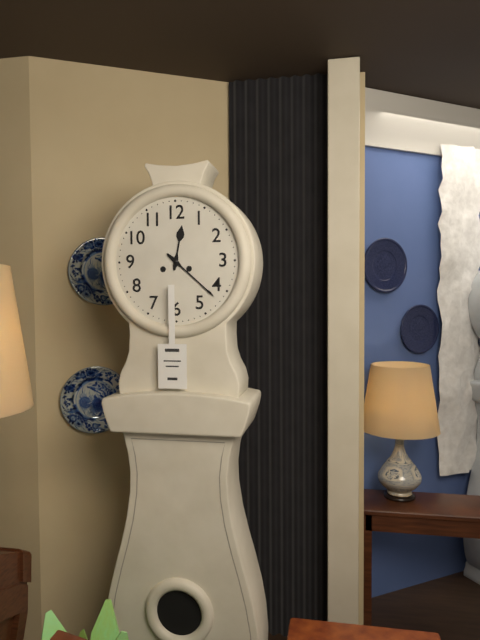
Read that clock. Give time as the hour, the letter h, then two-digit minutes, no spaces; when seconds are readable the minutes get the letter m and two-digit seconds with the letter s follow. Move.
12h22
